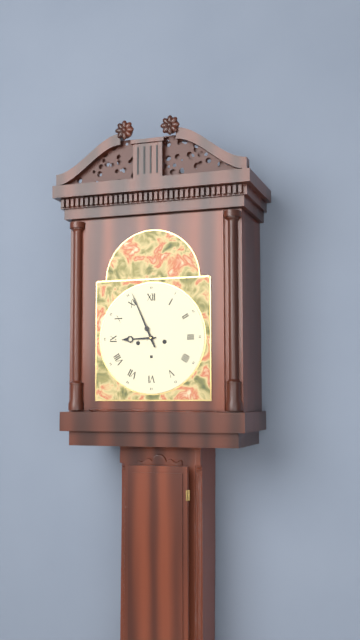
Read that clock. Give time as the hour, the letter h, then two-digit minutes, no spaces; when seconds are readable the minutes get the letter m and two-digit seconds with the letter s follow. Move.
8h56
